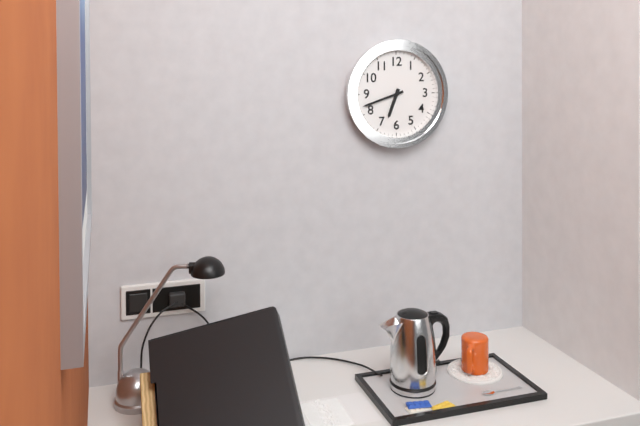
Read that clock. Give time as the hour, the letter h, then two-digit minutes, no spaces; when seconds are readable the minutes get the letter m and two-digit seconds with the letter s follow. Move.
6h42
